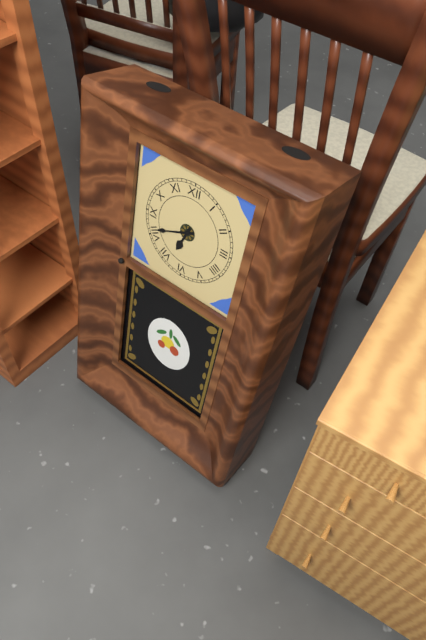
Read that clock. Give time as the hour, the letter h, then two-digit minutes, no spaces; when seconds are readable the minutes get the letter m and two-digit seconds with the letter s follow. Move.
6h41
